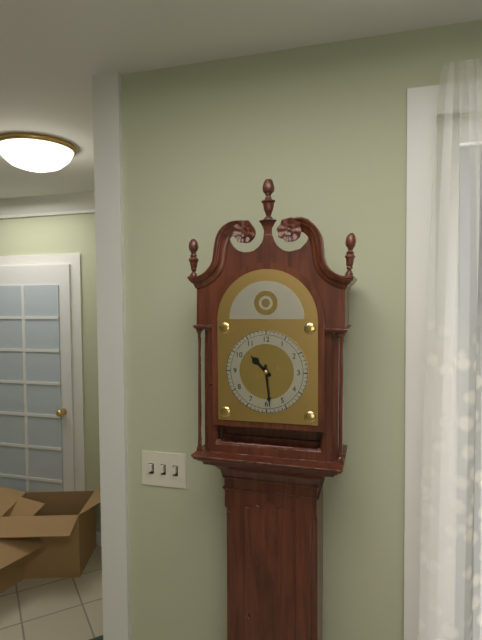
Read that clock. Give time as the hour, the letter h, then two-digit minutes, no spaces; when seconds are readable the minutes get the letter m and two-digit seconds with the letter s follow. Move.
10h29
